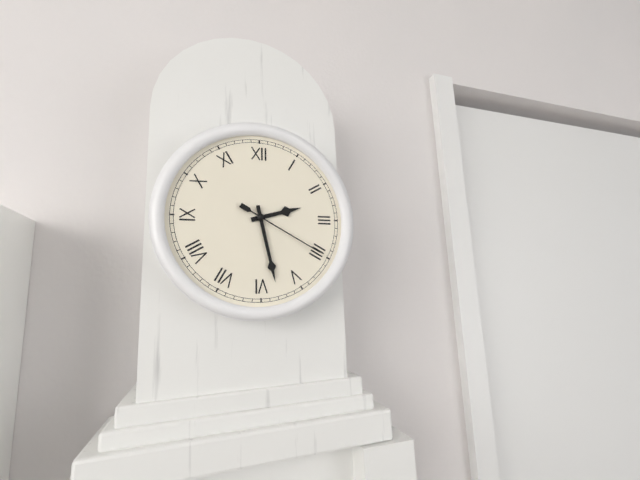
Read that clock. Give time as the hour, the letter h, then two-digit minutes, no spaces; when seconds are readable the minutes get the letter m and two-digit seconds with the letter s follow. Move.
2h28m20s
